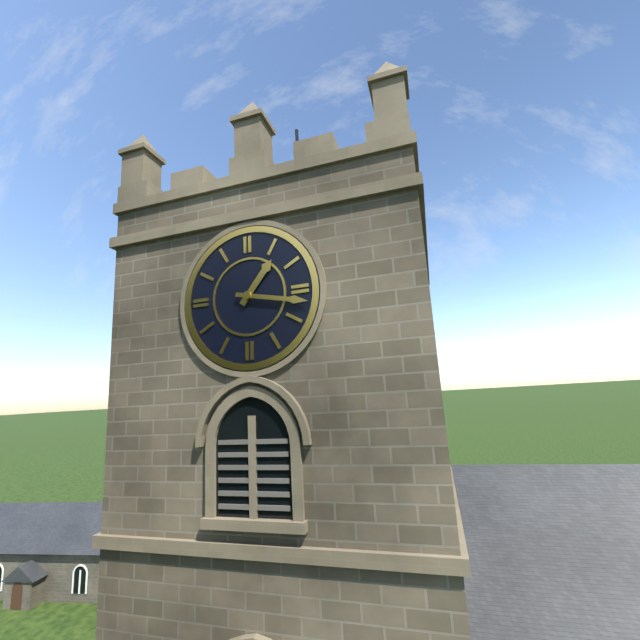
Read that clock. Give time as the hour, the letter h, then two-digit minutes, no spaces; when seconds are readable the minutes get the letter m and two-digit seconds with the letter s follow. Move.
1h17
